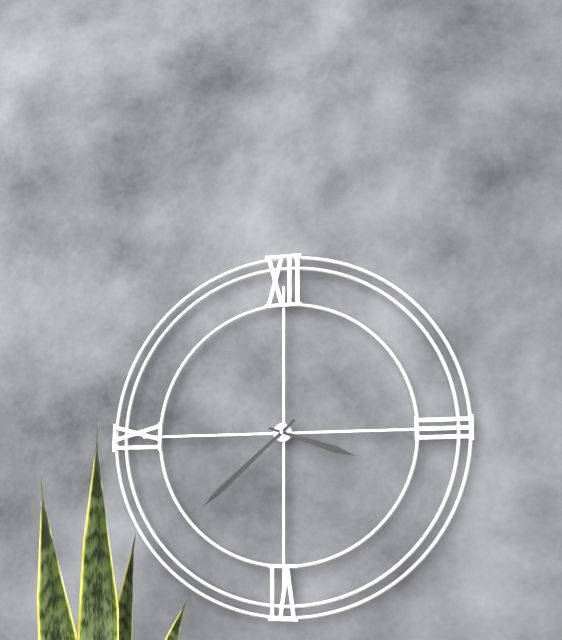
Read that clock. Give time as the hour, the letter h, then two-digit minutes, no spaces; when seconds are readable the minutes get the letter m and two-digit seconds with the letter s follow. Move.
3h38
